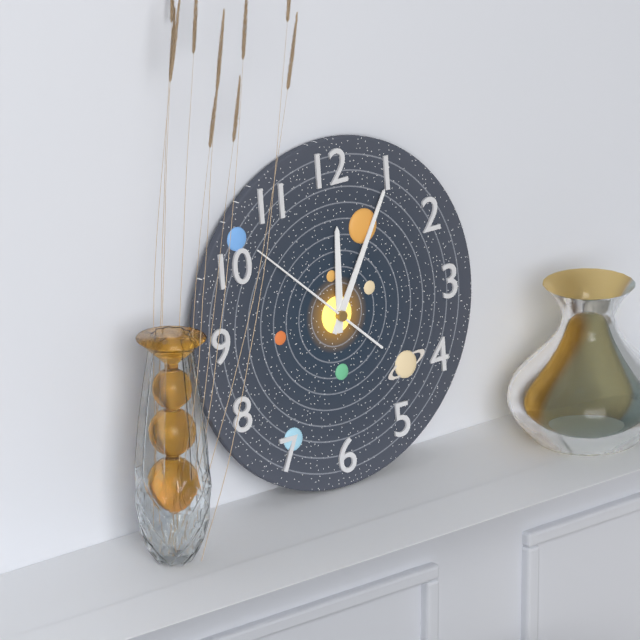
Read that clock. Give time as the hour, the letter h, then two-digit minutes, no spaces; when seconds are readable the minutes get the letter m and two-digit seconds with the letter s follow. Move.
12h05m52s
